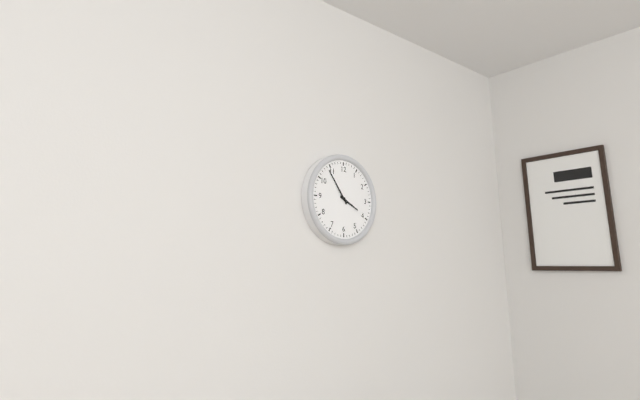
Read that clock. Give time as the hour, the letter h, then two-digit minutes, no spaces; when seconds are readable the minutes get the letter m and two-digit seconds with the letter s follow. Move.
3h54
